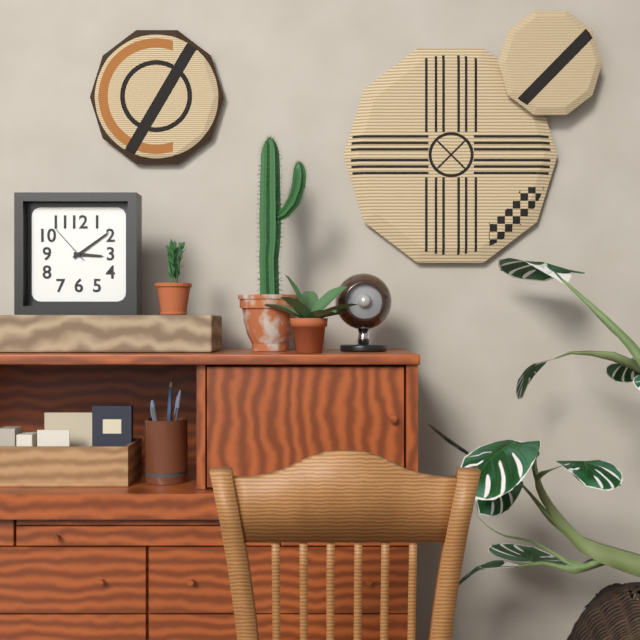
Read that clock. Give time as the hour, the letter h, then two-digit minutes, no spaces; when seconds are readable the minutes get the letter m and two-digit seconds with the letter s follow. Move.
3h09
